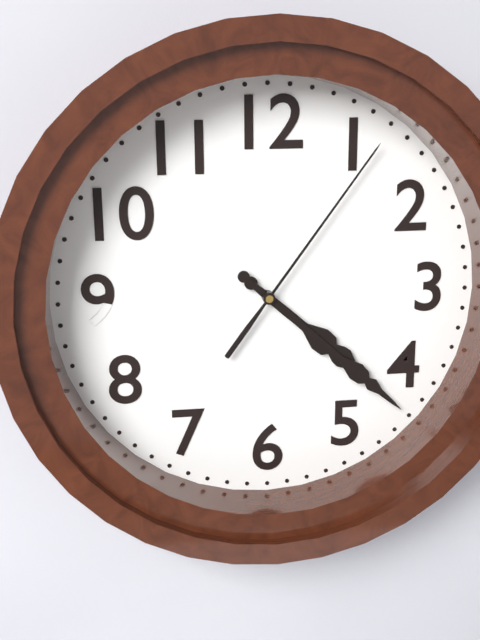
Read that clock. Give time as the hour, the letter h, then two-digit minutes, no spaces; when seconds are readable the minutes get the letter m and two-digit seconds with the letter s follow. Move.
4h22m06s
